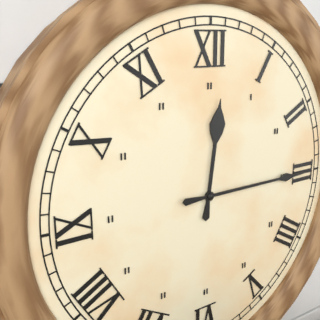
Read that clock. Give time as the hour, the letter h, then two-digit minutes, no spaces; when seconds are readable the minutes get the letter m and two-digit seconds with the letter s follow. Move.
12h15
